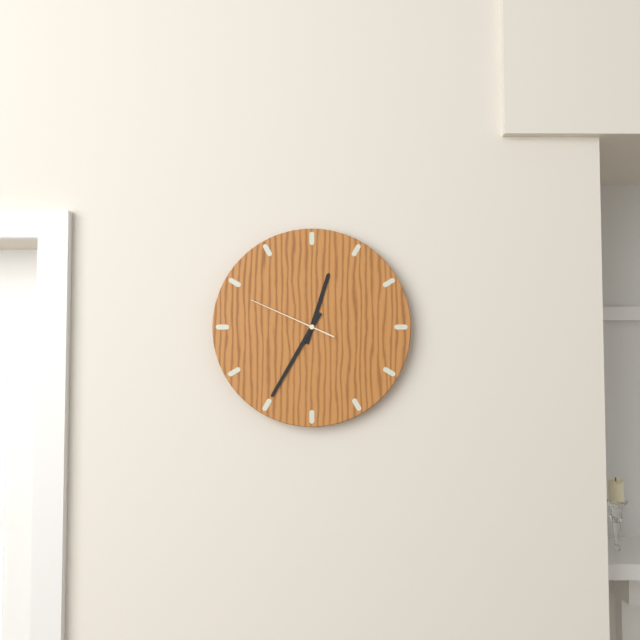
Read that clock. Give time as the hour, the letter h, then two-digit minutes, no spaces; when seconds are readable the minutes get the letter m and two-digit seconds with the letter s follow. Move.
12h35m49s
